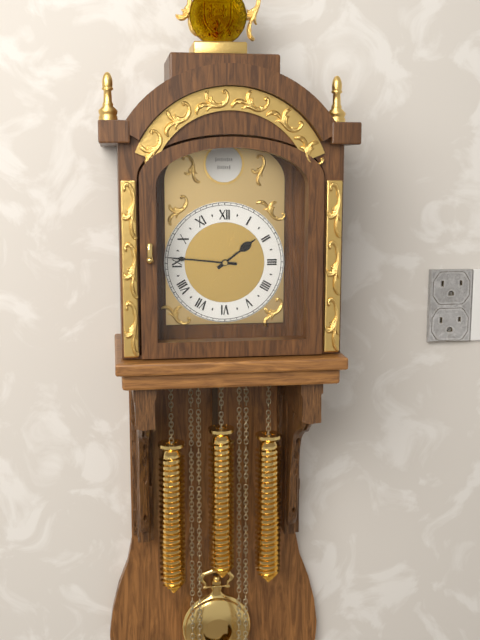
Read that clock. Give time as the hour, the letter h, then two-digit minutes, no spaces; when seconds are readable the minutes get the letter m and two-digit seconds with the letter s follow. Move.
1h46
